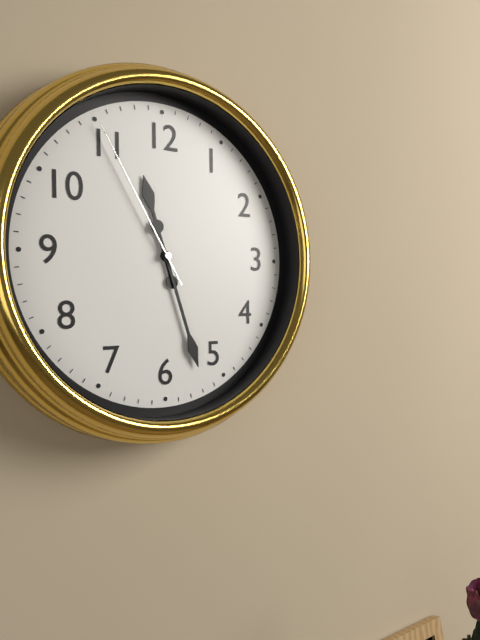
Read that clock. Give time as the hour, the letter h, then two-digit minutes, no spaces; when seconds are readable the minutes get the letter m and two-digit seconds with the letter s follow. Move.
11h27m55s
